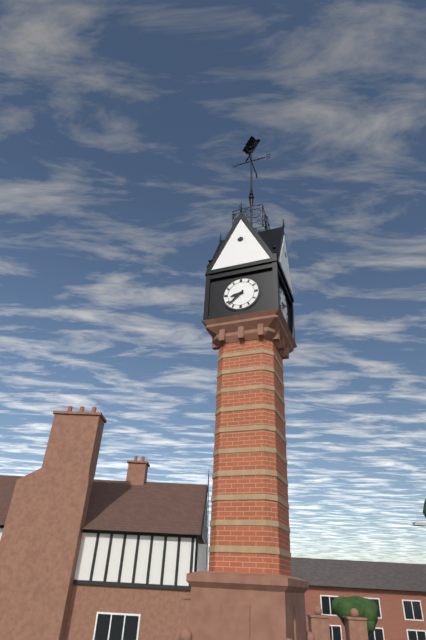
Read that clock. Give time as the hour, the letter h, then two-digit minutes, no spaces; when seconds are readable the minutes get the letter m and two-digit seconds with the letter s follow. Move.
8h38
